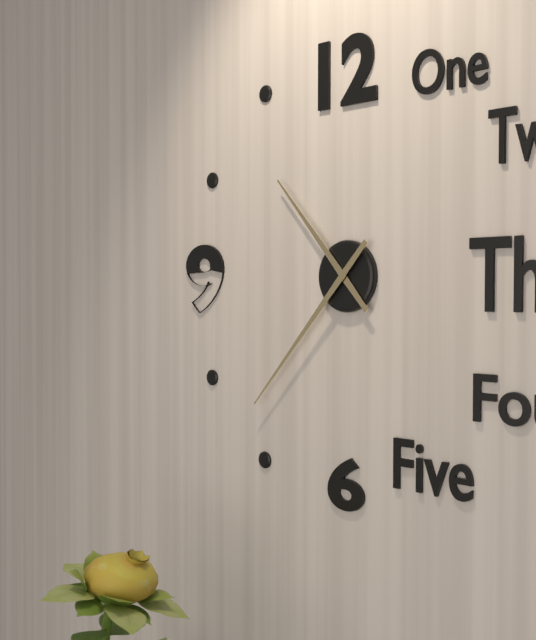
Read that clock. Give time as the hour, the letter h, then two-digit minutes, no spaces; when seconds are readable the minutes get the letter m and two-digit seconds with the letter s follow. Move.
10h37
